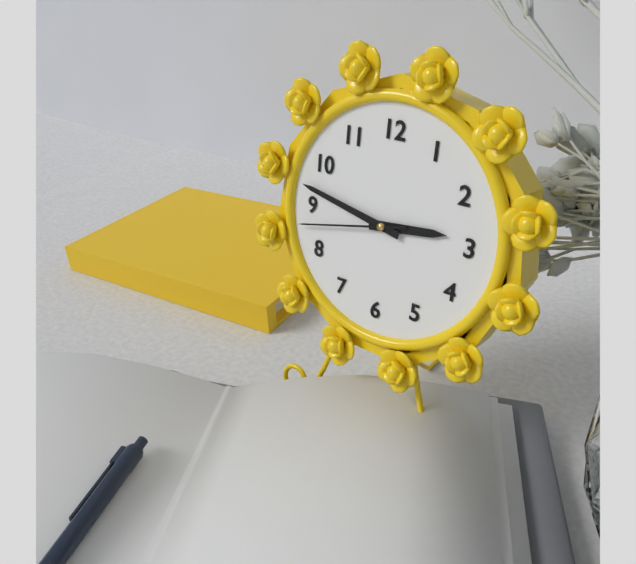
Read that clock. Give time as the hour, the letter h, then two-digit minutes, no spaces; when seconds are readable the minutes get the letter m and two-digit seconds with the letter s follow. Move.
2h47m43s
